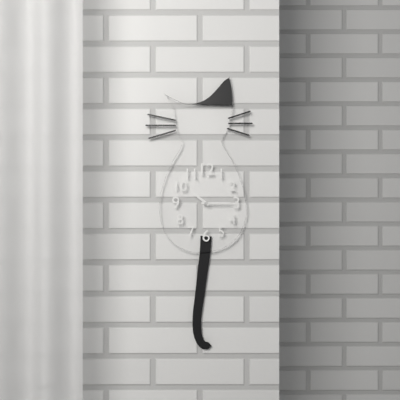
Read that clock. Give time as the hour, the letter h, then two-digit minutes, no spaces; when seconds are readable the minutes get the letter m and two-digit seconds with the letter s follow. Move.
10h15
